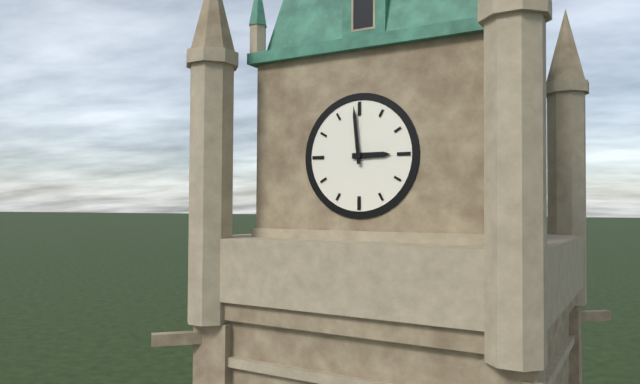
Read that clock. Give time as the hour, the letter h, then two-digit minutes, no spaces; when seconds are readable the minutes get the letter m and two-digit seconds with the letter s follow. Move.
2h59
